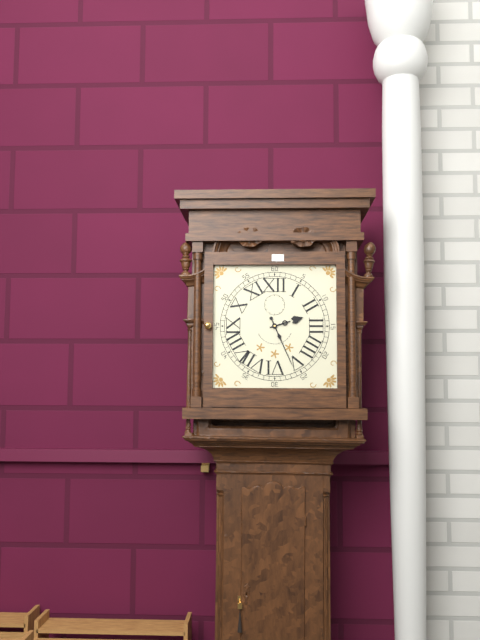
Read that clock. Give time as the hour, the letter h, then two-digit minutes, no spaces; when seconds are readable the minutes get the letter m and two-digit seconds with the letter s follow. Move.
2h26
